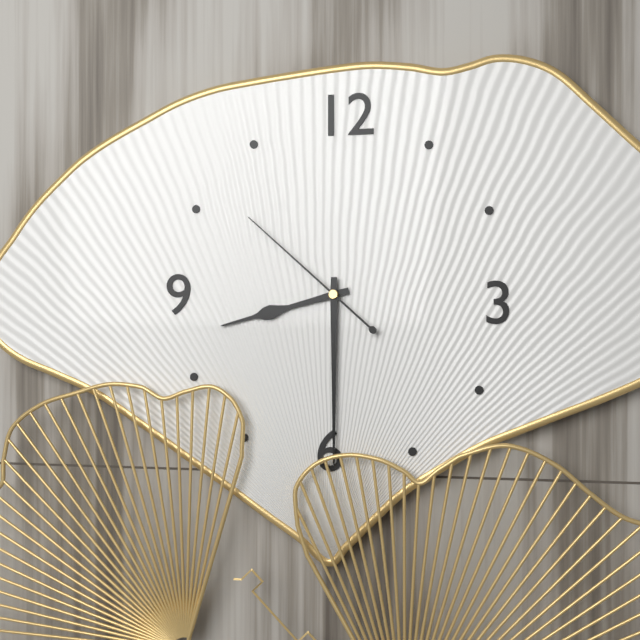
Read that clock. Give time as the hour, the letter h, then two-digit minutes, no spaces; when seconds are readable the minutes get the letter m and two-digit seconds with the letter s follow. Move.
8h30m52s
